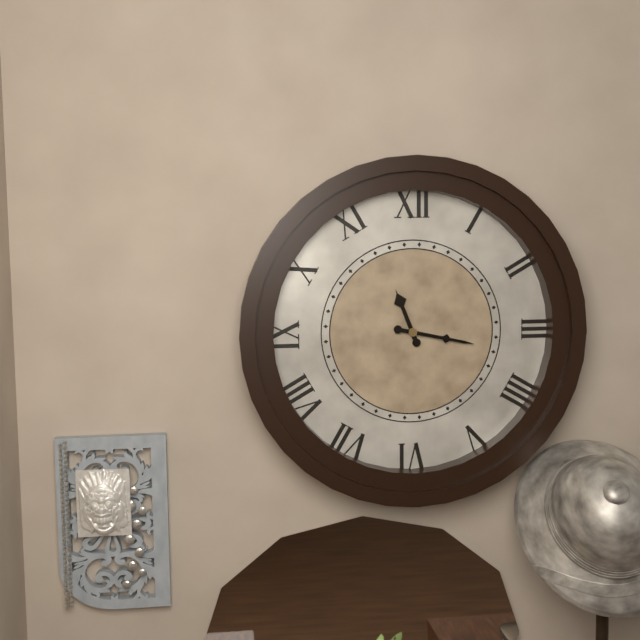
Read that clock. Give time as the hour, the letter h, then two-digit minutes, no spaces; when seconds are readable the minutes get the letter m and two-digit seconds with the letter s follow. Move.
11h17
